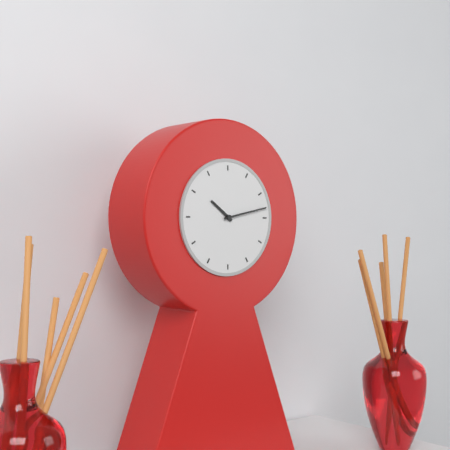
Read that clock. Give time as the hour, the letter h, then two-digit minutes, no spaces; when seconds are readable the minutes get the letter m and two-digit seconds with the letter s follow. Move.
10h13
